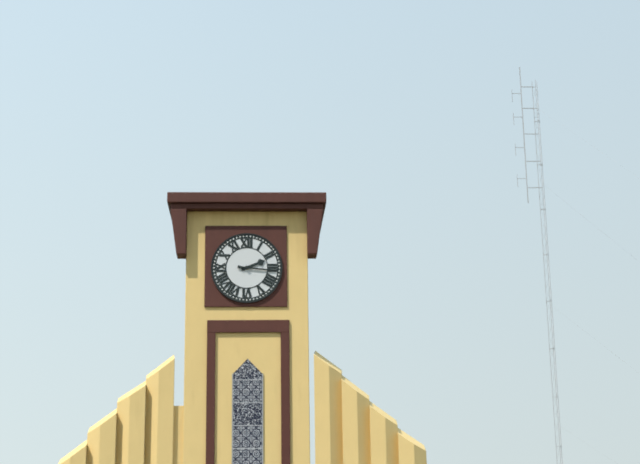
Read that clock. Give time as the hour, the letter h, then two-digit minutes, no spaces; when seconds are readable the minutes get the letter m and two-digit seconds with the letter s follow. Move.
2h16
